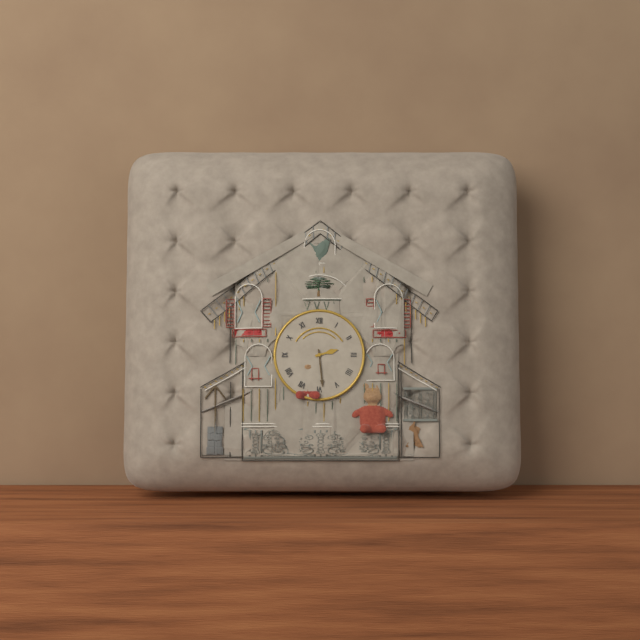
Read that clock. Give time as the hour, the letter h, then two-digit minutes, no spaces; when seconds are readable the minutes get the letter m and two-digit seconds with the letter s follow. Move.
2h29
